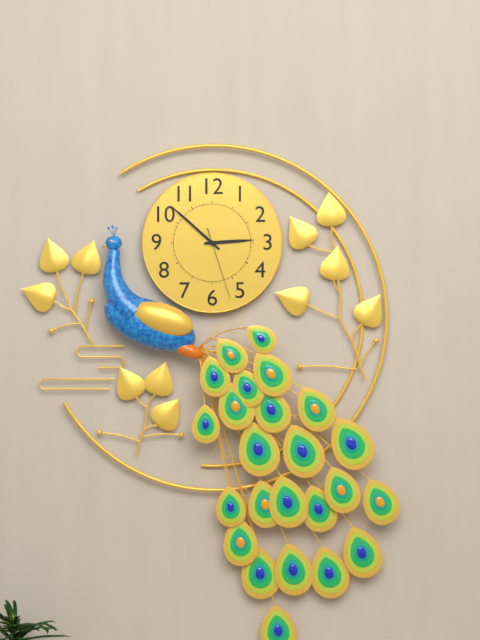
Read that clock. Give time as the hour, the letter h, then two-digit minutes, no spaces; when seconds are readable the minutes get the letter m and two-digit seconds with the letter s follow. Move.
2h52m27s
